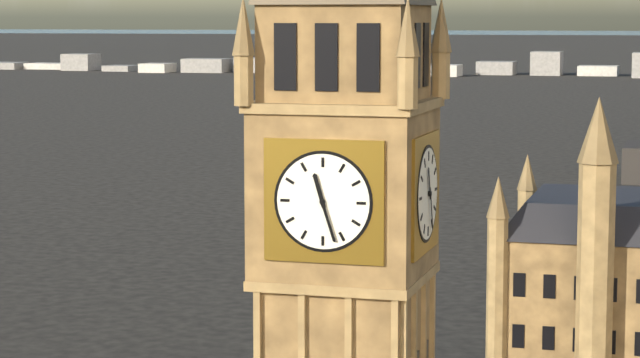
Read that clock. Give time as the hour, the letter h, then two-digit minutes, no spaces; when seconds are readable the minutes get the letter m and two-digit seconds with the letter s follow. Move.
11h27
